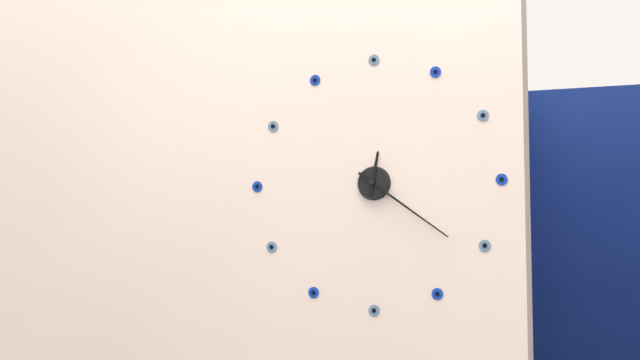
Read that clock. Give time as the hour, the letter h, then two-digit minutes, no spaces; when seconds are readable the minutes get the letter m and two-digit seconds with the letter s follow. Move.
12h21
